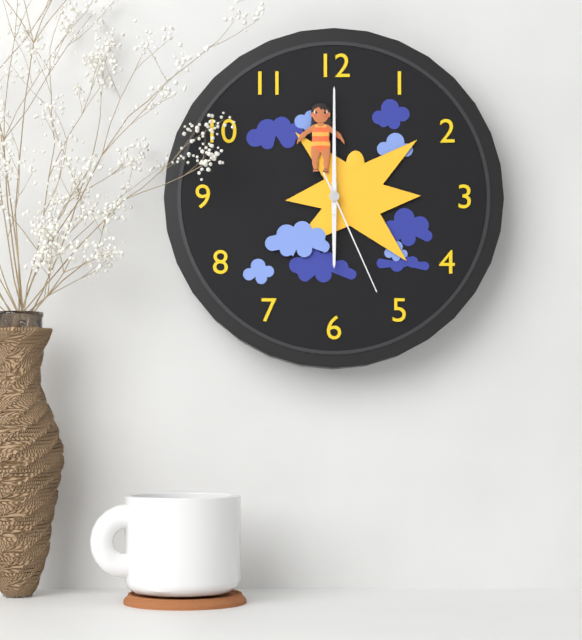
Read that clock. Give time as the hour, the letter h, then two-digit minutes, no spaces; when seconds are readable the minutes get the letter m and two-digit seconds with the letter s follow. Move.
6h00m26s
